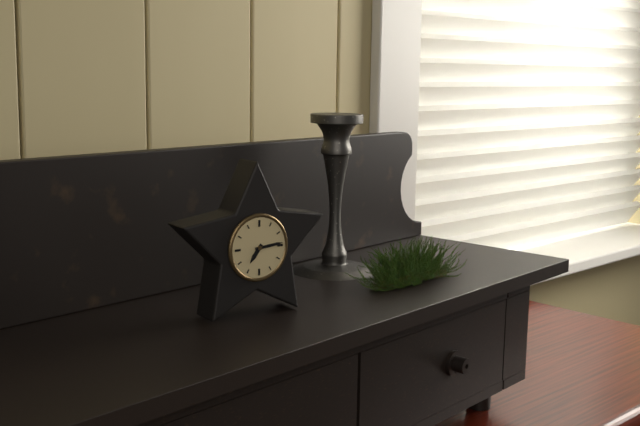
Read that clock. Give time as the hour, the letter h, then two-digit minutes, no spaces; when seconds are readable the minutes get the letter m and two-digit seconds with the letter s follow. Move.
7h14
